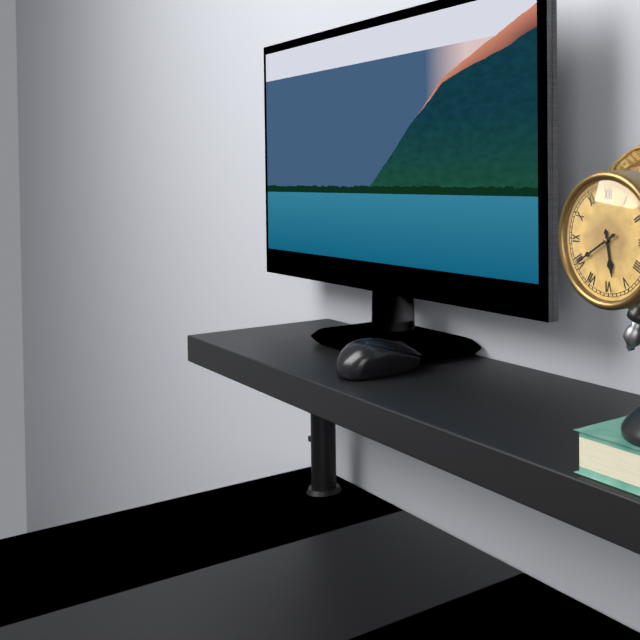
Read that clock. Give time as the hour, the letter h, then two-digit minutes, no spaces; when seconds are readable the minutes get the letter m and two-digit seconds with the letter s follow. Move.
5h40
